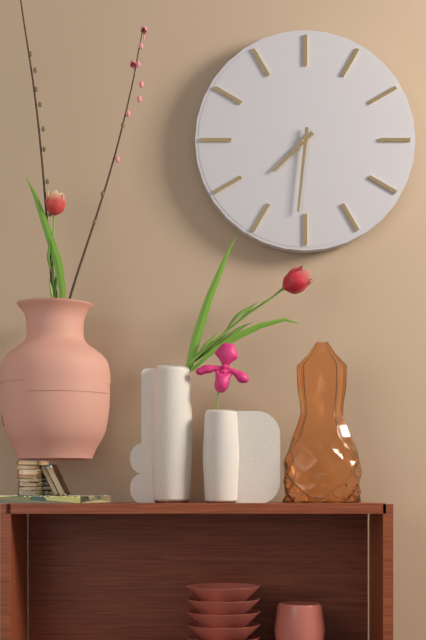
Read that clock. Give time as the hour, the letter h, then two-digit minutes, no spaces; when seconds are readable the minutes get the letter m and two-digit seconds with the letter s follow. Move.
7h31
